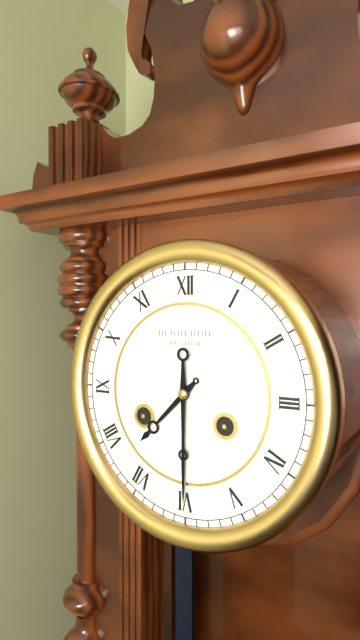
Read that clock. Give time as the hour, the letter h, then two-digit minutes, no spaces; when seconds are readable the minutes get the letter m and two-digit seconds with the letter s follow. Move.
7h30
